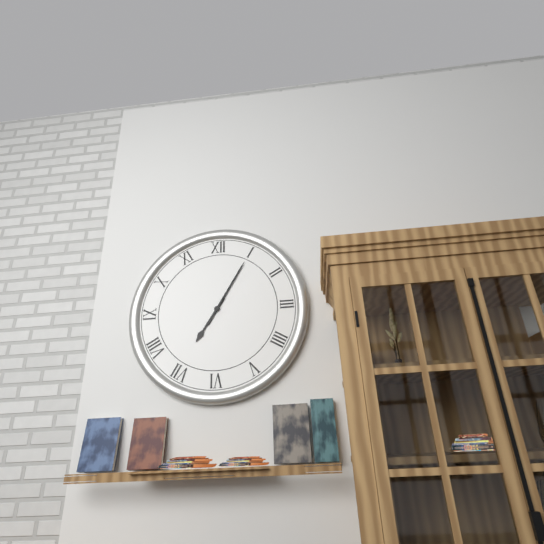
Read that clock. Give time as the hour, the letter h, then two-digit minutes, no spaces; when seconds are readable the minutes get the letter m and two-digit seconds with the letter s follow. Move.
7h05
